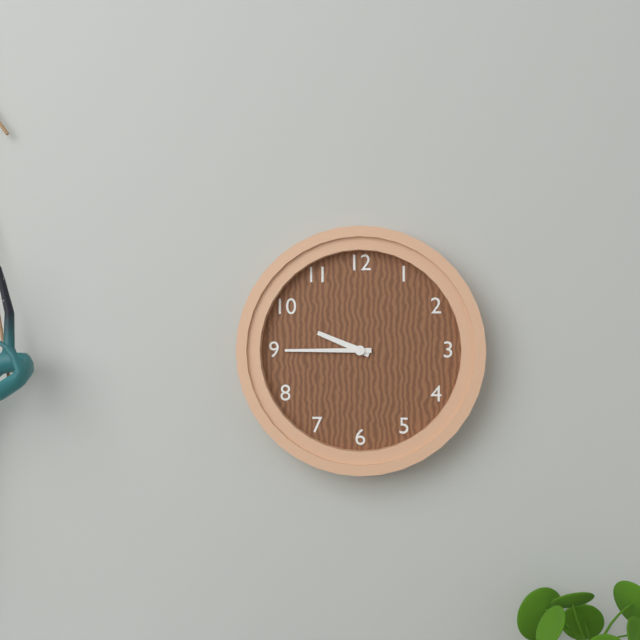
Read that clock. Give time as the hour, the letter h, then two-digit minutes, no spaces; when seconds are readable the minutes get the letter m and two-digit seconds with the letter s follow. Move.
9h45
